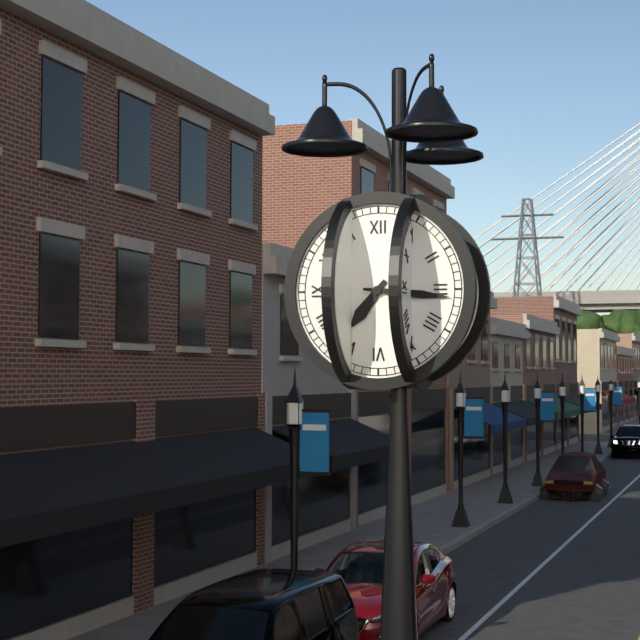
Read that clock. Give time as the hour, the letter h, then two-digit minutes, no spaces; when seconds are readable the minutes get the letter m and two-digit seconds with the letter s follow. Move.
7h16
